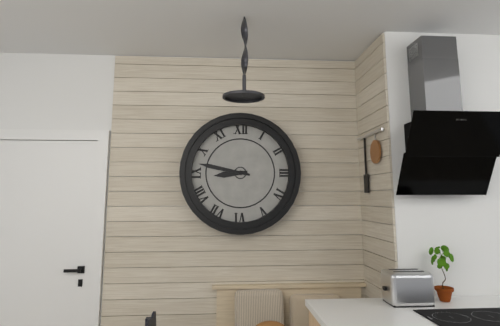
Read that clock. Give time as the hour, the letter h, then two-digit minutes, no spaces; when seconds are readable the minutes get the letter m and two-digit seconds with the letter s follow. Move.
8h47
